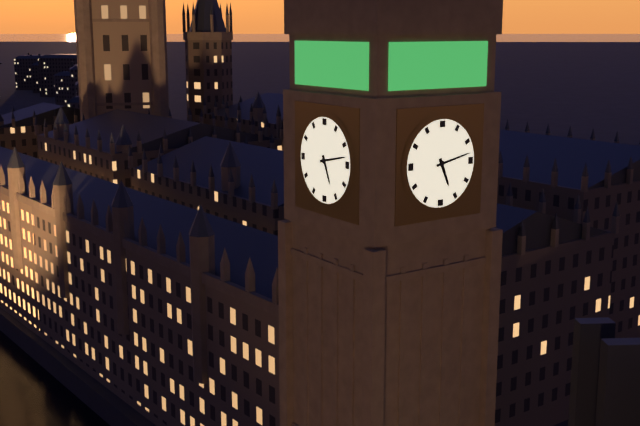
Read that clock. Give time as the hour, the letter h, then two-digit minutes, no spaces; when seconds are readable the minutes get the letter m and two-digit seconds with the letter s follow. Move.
5h13
